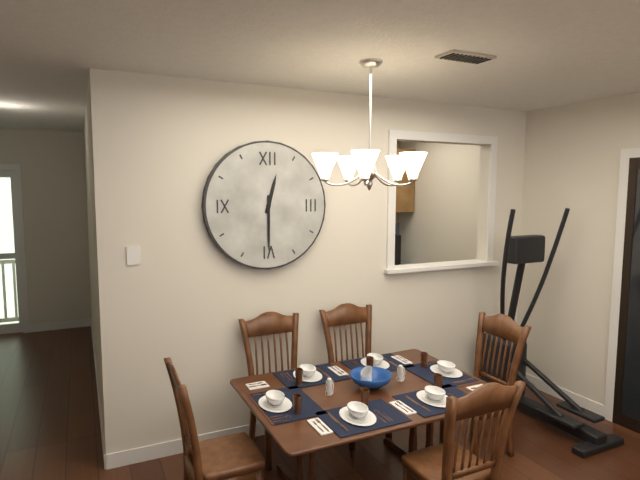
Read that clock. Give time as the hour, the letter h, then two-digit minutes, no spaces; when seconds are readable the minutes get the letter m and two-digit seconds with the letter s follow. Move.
12h30
